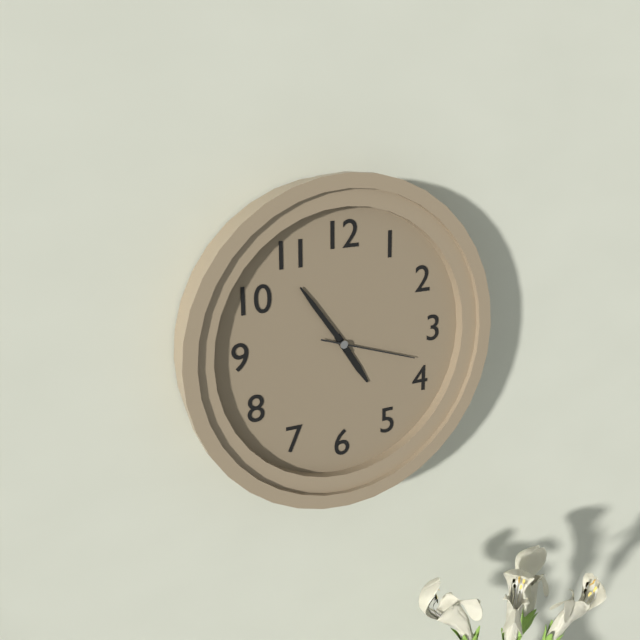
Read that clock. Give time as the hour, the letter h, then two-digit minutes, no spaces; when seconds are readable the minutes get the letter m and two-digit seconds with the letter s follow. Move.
4h54m18s
